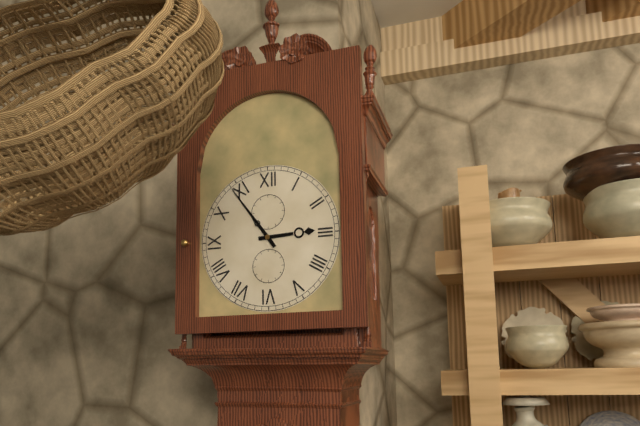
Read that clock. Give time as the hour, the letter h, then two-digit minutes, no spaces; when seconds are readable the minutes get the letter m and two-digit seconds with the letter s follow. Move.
2h54
